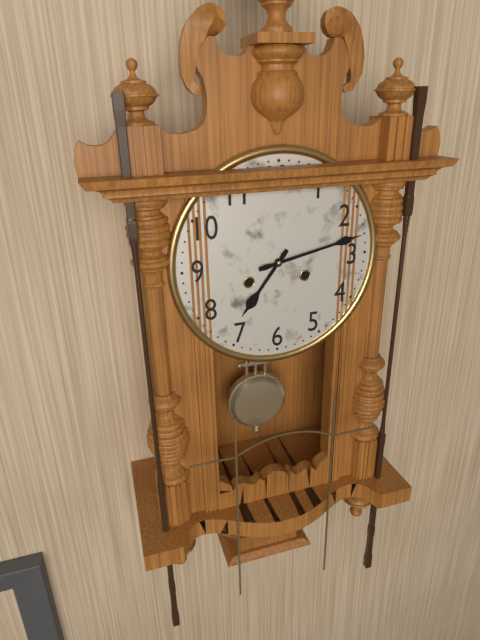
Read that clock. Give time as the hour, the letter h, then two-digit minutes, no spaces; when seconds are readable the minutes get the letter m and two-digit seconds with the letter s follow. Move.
7h13
